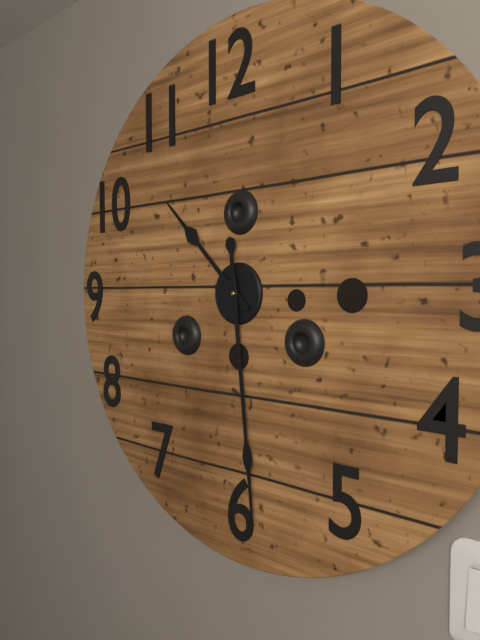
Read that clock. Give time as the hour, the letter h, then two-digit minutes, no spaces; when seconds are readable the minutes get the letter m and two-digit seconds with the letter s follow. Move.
10h29
